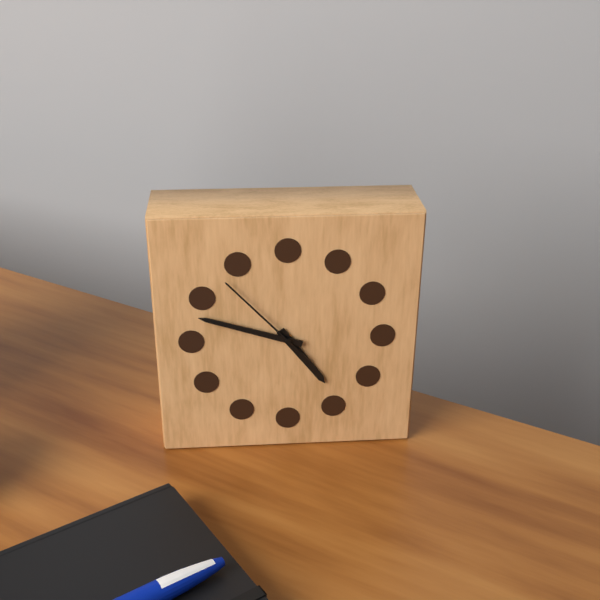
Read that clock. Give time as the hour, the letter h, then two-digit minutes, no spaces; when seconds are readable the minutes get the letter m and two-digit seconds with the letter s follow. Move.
4h48m53s
